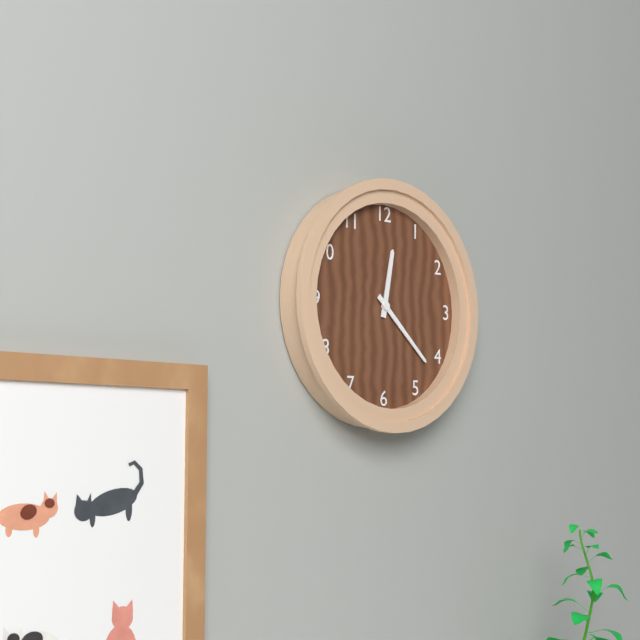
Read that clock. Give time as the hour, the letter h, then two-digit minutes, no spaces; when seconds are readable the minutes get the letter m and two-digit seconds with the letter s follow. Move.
12h22
